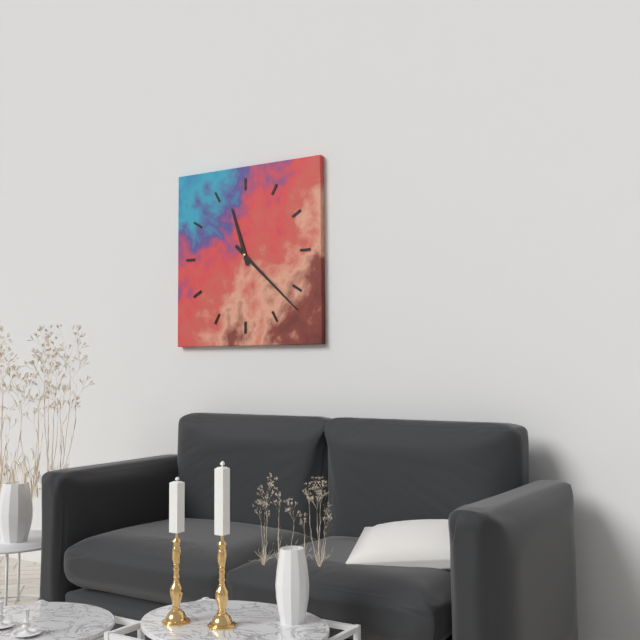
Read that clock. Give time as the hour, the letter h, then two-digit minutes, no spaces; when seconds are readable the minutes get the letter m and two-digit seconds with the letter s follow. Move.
11h22
